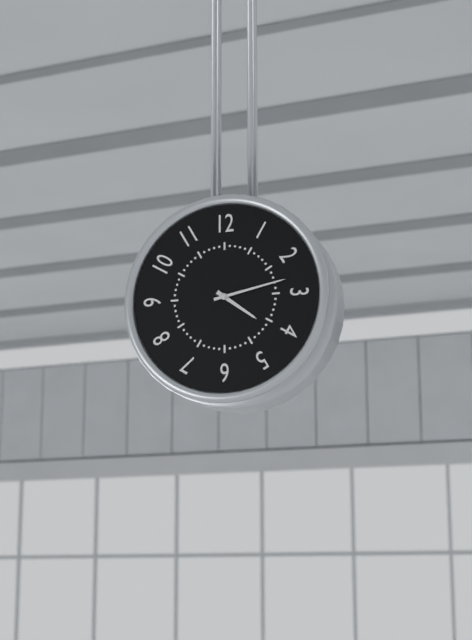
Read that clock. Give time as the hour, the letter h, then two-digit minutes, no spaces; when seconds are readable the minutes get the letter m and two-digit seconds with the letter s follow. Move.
4h13
